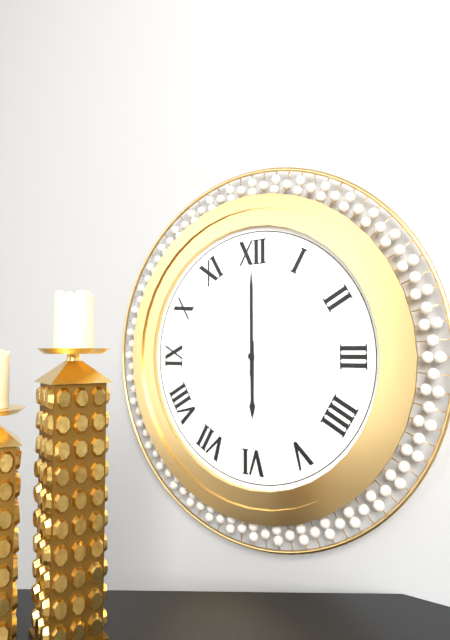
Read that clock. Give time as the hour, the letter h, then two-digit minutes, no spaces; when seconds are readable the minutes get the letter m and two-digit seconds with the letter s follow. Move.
6h00
